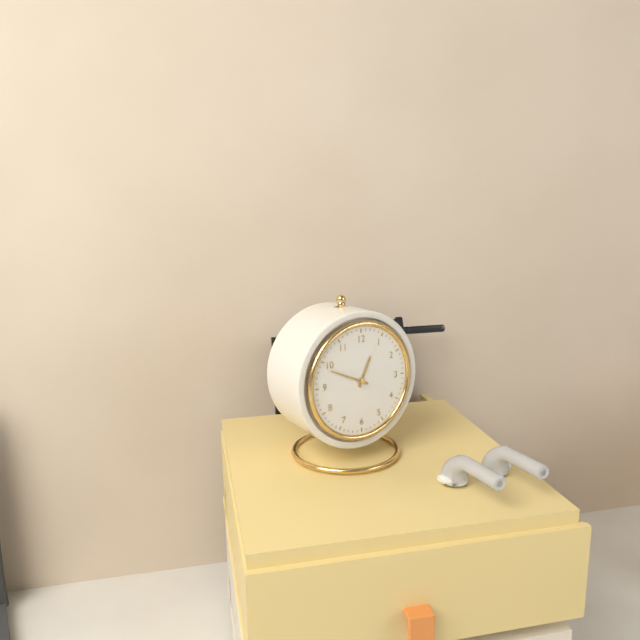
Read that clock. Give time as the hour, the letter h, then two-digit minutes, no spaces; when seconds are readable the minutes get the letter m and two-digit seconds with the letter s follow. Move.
12h49
